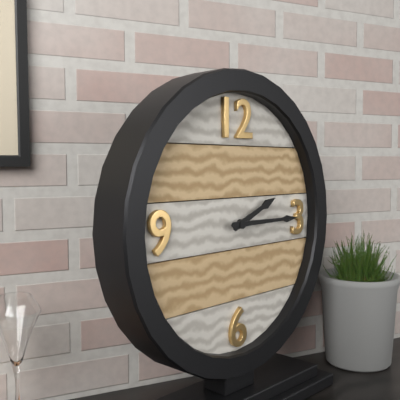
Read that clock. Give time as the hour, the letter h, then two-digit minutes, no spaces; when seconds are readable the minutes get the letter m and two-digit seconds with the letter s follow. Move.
2h15
